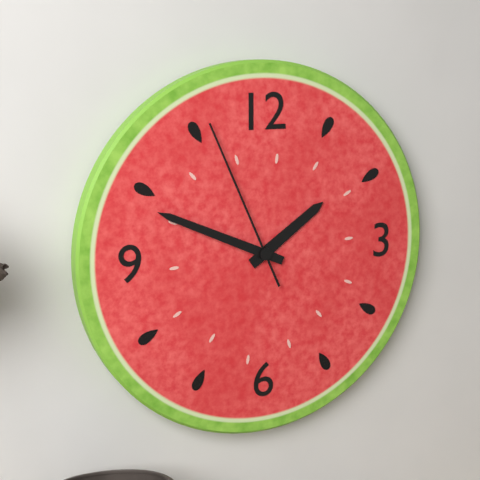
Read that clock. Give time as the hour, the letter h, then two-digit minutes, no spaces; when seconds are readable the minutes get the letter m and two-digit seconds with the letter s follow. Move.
1h49m56s
